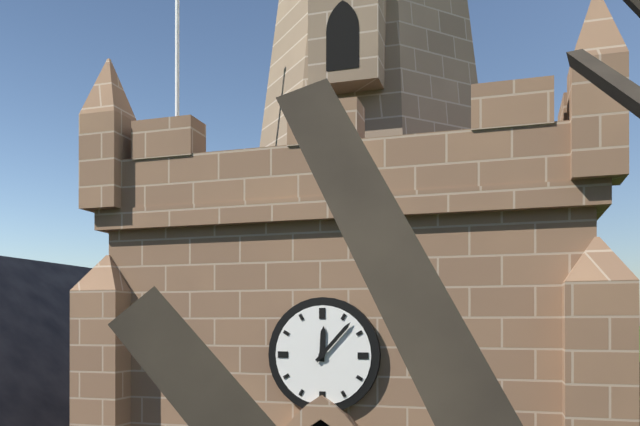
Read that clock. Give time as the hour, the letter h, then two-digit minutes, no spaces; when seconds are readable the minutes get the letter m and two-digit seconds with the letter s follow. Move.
12h07
